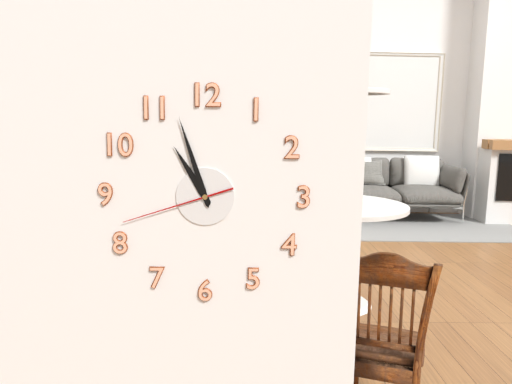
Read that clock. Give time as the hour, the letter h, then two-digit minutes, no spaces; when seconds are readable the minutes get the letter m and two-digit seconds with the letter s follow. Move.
10h57m42s
